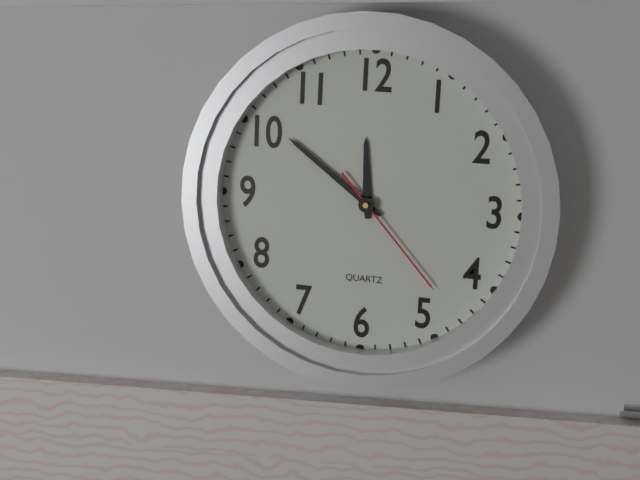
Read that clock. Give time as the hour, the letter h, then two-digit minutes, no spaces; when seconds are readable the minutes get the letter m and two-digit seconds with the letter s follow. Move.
11h51m23s
